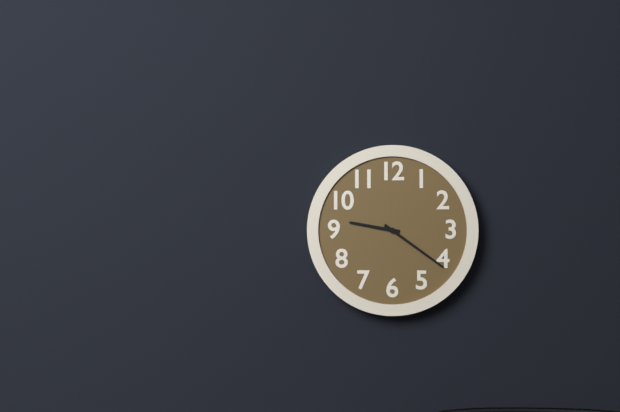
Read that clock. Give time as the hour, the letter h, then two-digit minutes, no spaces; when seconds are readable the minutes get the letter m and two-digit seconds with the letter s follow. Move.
9h21
